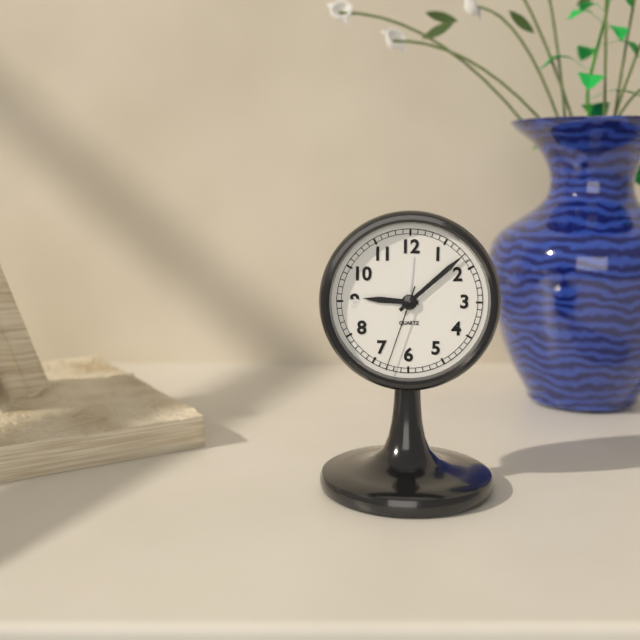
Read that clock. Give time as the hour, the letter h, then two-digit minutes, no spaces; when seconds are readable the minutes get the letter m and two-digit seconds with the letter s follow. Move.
9h08m33s
